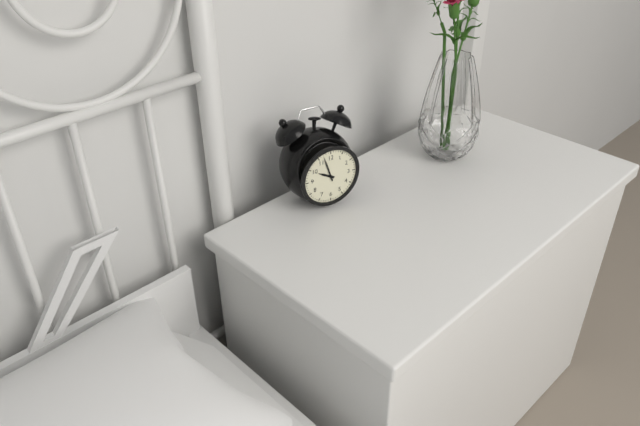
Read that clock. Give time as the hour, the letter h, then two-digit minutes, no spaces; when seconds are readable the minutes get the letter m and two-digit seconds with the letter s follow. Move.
9h57
